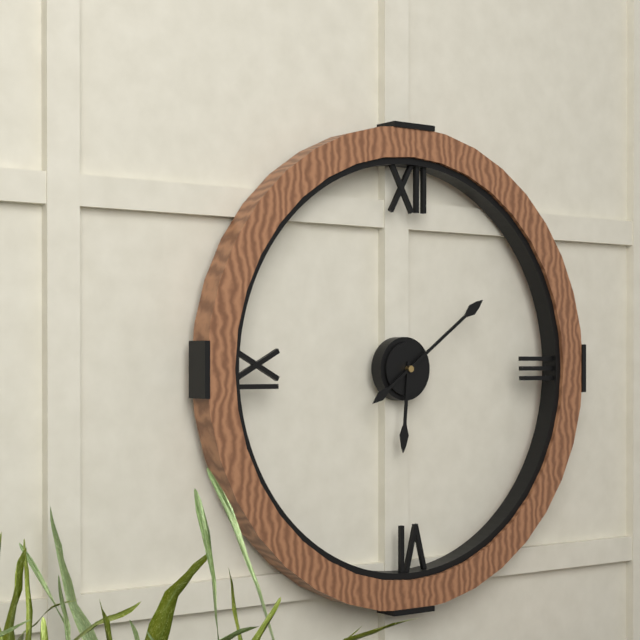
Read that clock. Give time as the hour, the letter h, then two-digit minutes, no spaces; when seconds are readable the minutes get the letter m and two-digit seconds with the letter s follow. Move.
6h09
